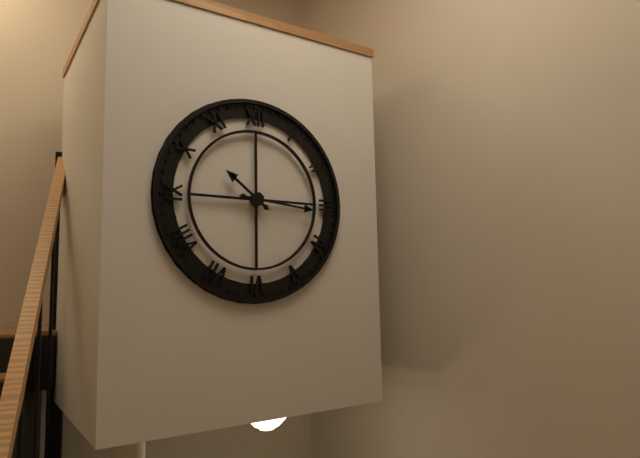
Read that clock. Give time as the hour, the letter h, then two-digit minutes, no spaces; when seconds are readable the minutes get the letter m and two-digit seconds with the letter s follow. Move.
10h16
